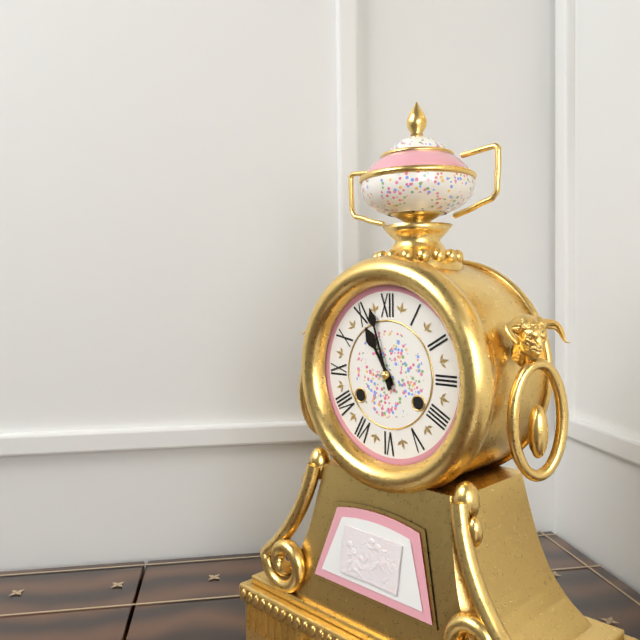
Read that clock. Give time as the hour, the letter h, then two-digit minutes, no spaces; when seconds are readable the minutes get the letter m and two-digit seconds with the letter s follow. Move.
10h57
